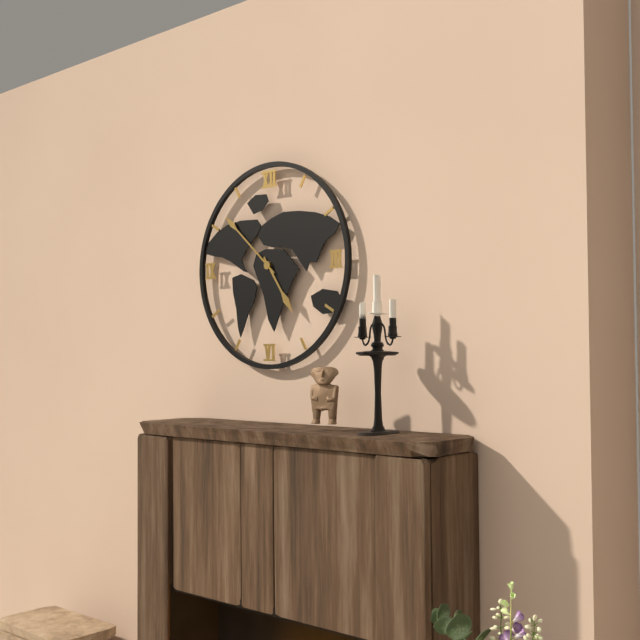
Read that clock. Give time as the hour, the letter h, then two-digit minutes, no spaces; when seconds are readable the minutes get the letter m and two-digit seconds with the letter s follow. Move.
4h52
